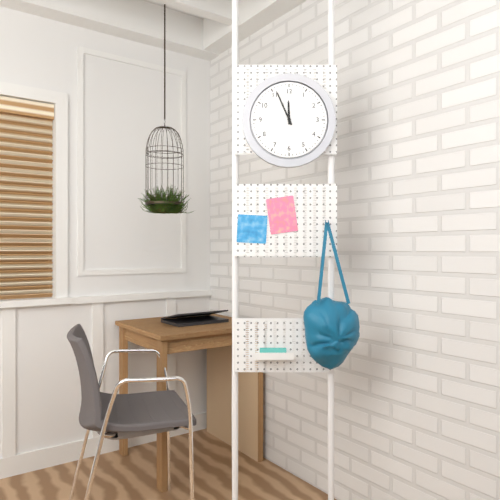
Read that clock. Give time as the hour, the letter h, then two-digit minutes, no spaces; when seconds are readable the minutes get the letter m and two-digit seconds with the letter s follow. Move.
11h56
